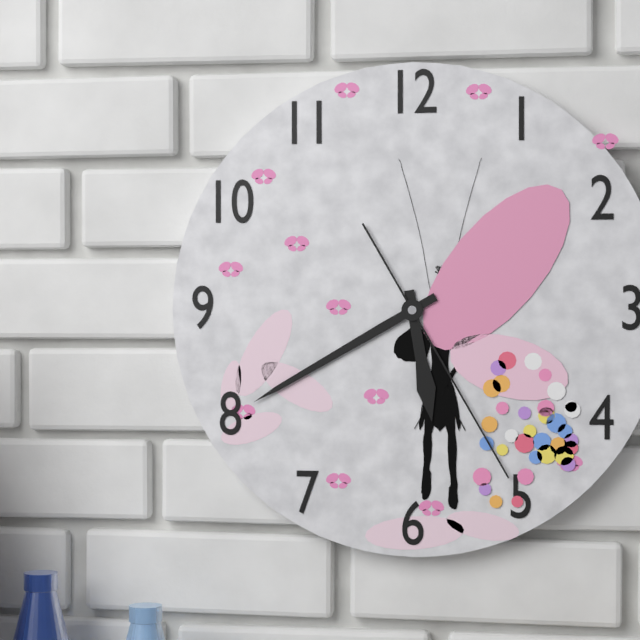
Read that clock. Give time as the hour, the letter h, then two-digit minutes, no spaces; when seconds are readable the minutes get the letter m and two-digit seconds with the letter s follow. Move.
5h40m25s
